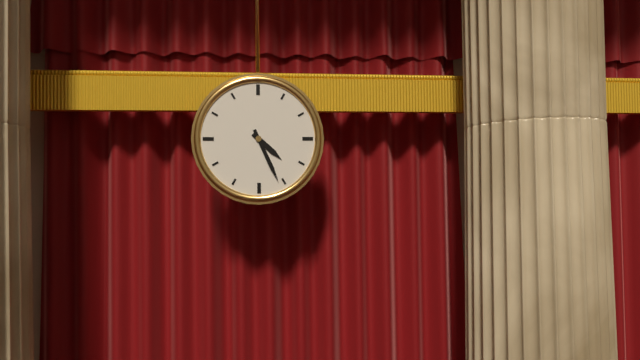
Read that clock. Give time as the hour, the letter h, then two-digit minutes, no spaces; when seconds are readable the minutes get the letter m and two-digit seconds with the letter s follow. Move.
4h26
